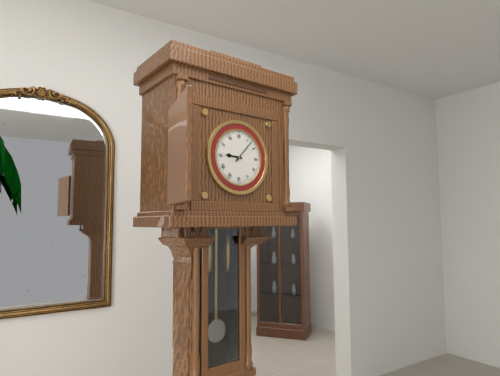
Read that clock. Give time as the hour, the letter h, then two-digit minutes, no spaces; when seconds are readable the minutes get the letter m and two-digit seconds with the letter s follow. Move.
9h07
